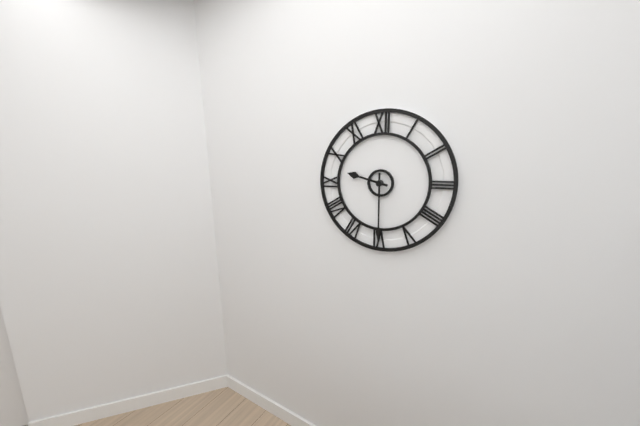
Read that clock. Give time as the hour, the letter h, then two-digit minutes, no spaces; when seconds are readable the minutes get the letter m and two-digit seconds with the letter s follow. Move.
9h30
